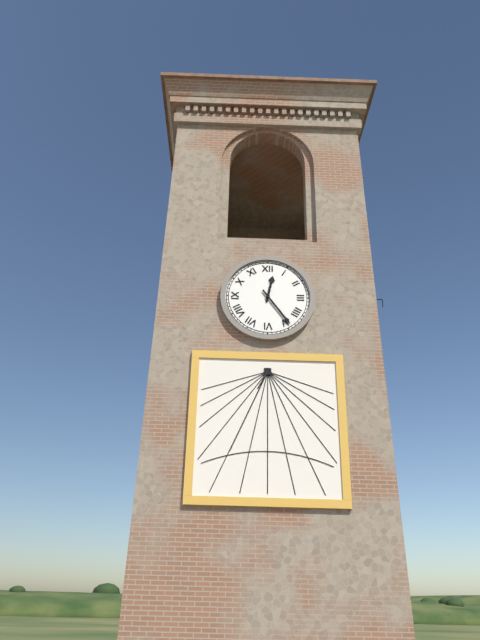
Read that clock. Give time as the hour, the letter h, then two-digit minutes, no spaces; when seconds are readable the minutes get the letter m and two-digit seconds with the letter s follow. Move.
12h24
